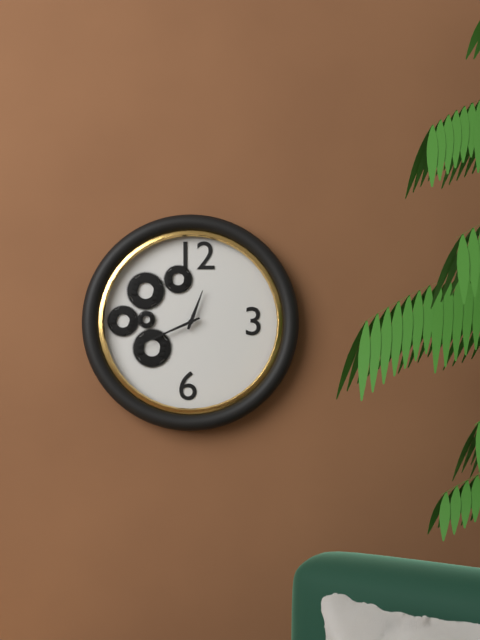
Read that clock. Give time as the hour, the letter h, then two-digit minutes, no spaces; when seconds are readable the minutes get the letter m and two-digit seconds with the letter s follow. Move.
12h41
